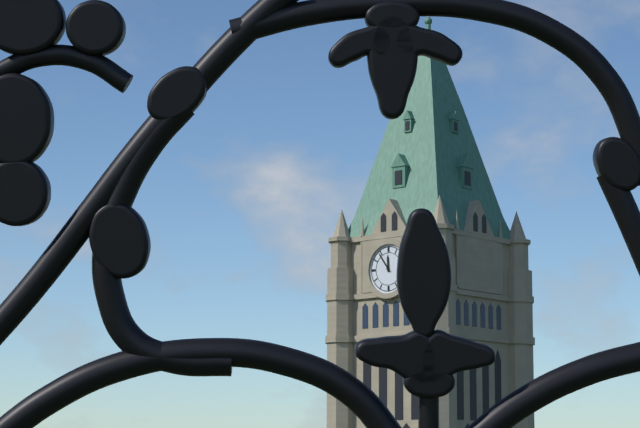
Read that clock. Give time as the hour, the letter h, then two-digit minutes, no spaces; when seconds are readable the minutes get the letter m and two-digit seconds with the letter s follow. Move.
11h54
